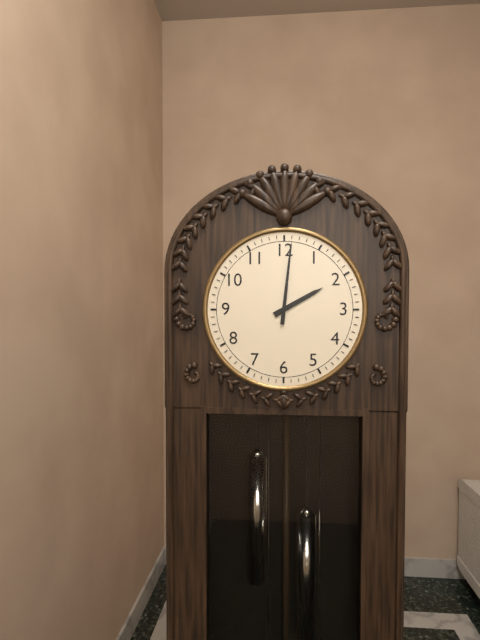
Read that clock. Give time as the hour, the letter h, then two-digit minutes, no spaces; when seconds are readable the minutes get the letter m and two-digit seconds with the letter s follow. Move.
2h01
